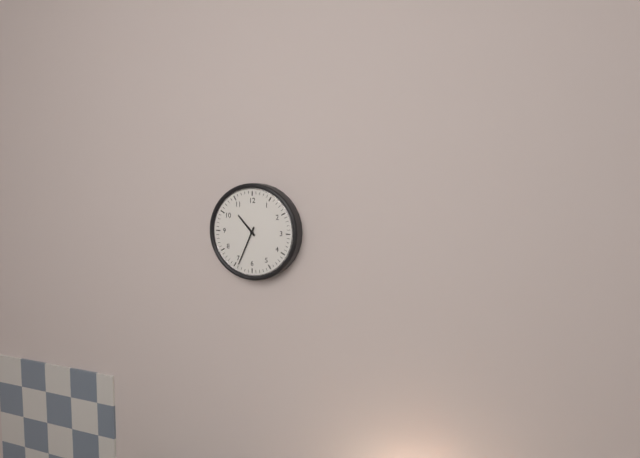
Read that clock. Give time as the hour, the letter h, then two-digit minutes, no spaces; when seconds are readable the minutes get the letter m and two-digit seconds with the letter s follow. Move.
10h34
